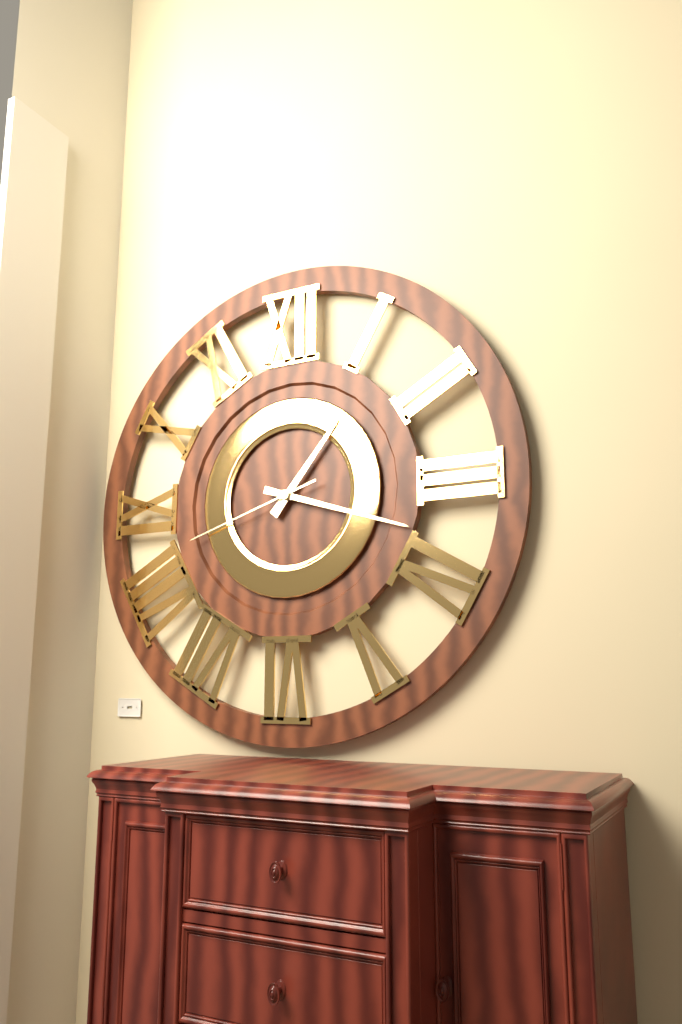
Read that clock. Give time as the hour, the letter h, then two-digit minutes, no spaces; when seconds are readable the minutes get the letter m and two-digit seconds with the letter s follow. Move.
1h18m42s
